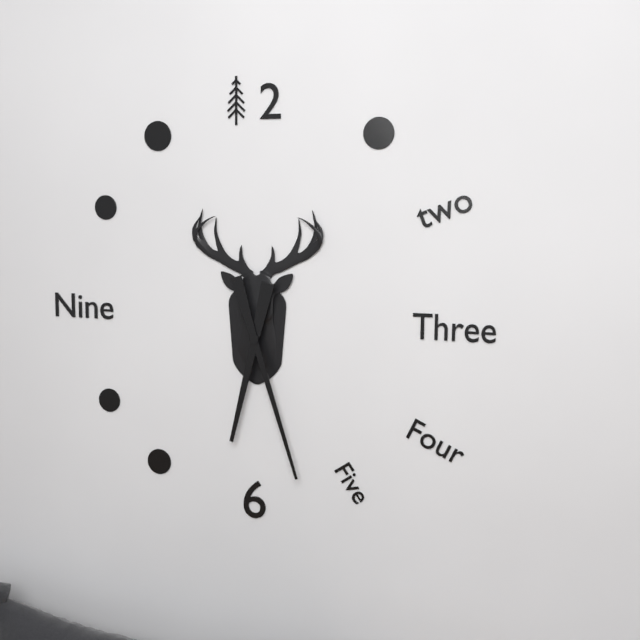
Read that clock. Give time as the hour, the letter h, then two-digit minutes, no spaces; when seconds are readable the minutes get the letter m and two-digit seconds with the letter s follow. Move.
6h27
